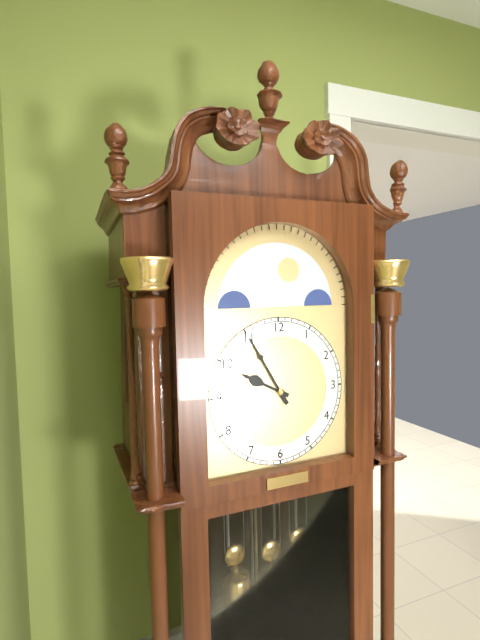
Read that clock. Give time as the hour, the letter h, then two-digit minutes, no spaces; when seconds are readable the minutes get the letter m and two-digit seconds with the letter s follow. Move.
9h55
